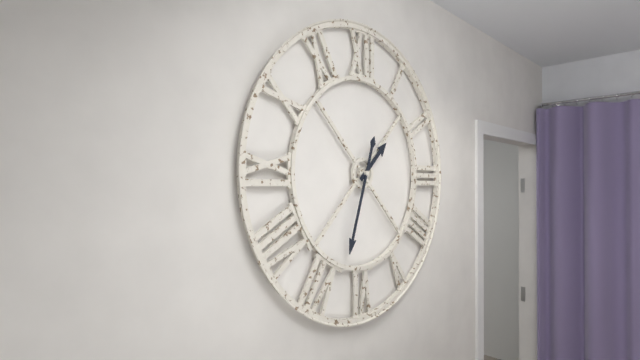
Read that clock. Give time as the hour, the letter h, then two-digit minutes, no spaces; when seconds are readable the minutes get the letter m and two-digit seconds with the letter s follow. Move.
1h33
